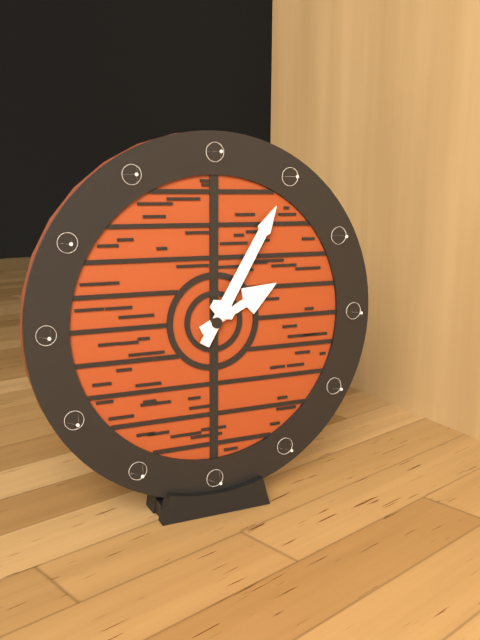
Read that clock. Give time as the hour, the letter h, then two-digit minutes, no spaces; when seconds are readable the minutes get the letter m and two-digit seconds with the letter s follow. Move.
2h05
